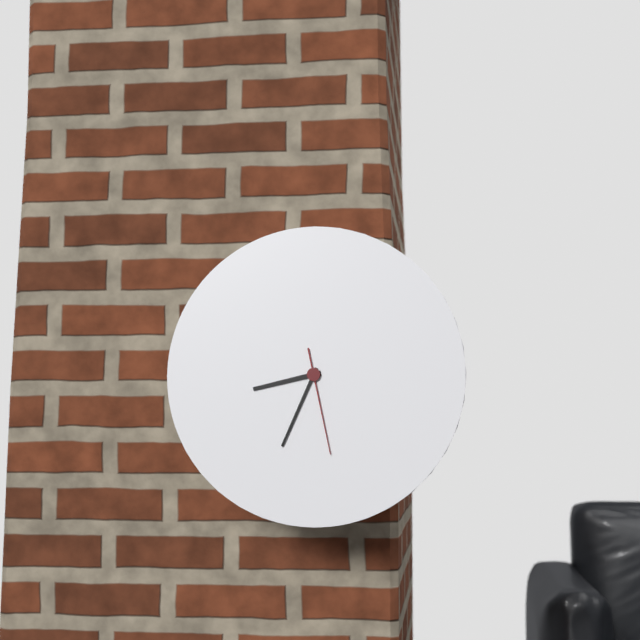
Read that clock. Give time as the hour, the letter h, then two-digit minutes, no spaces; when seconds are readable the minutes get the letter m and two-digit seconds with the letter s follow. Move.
8h34m28s
